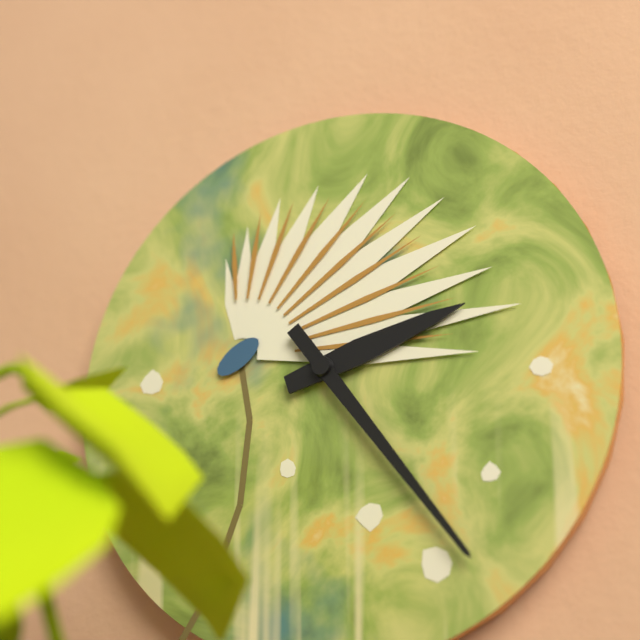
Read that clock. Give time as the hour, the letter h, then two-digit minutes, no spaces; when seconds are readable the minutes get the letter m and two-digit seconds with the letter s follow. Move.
2h24
